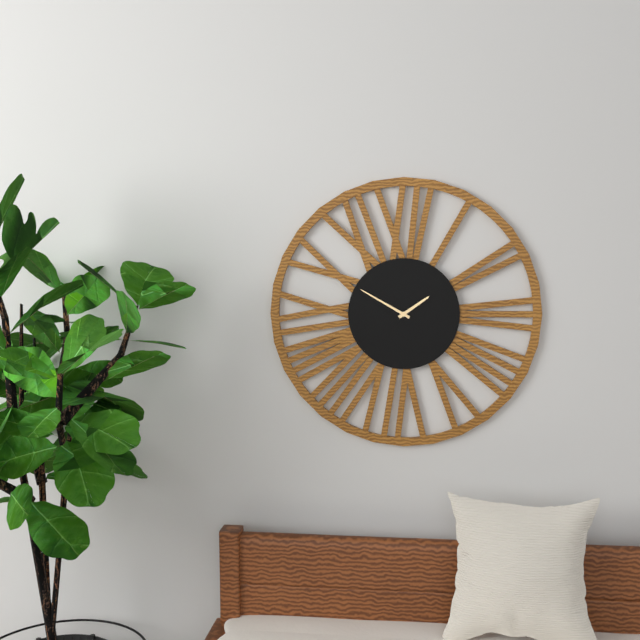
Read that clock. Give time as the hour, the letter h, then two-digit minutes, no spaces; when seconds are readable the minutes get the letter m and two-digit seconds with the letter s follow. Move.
1h50
